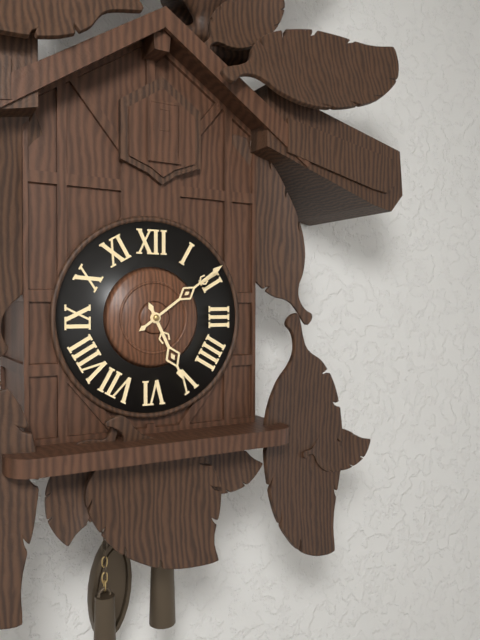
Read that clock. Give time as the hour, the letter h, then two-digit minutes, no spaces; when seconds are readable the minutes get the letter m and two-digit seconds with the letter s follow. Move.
5h09
